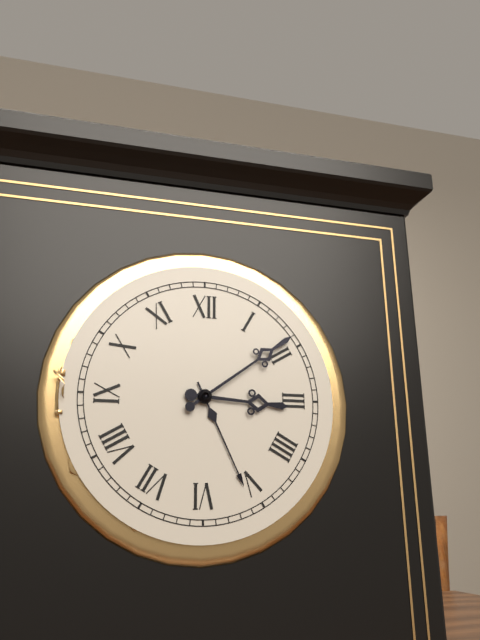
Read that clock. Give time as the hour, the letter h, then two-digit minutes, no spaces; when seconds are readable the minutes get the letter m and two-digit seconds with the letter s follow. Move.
3h09
